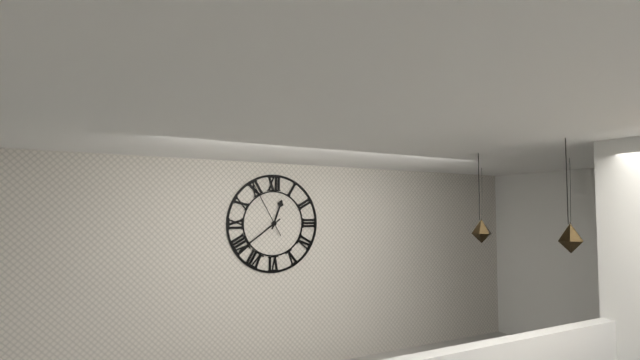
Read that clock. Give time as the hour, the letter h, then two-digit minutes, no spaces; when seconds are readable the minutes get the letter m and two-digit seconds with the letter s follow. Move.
12h39m55s
